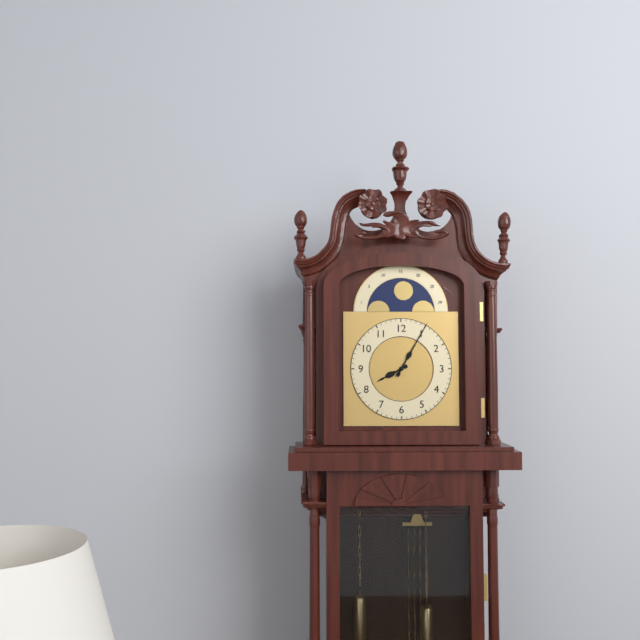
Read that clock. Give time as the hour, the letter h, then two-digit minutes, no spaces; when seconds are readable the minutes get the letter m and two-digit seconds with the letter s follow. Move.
8h05
